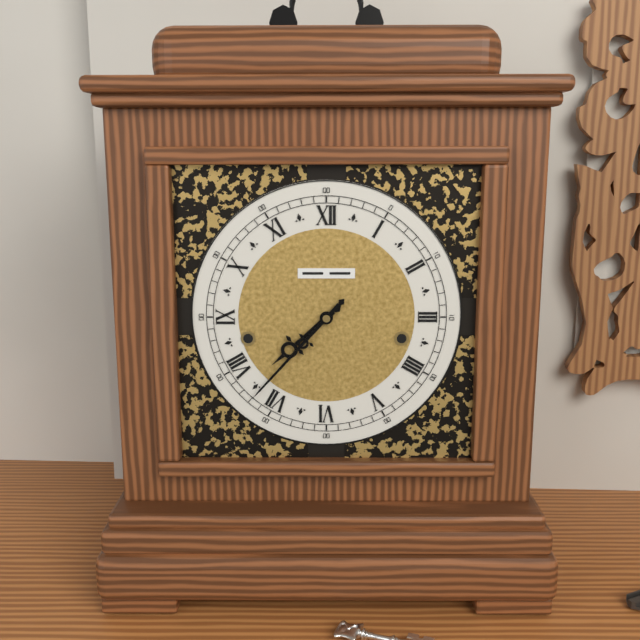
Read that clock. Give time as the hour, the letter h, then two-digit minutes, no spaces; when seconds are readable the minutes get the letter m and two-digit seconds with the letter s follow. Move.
7h37
